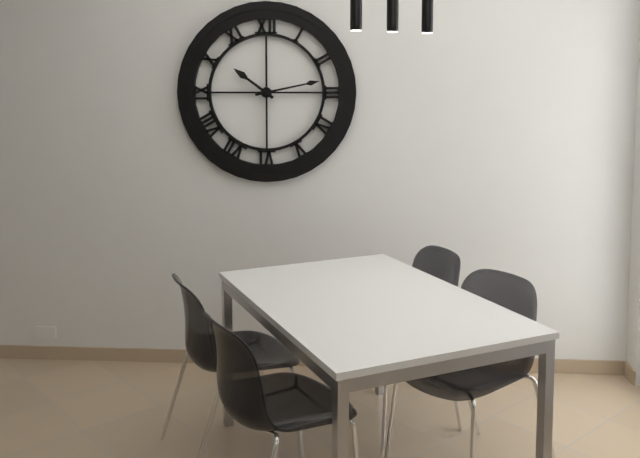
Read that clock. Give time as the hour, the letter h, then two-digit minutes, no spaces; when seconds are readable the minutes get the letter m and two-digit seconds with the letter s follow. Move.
10h13
